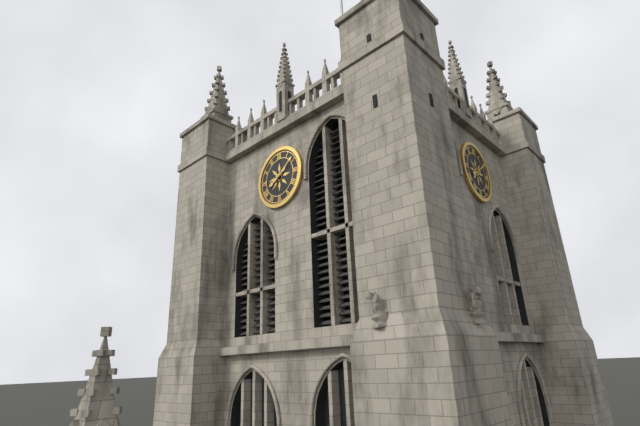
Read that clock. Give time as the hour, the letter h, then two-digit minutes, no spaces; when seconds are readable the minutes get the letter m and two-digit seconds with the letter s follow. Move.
8h09
